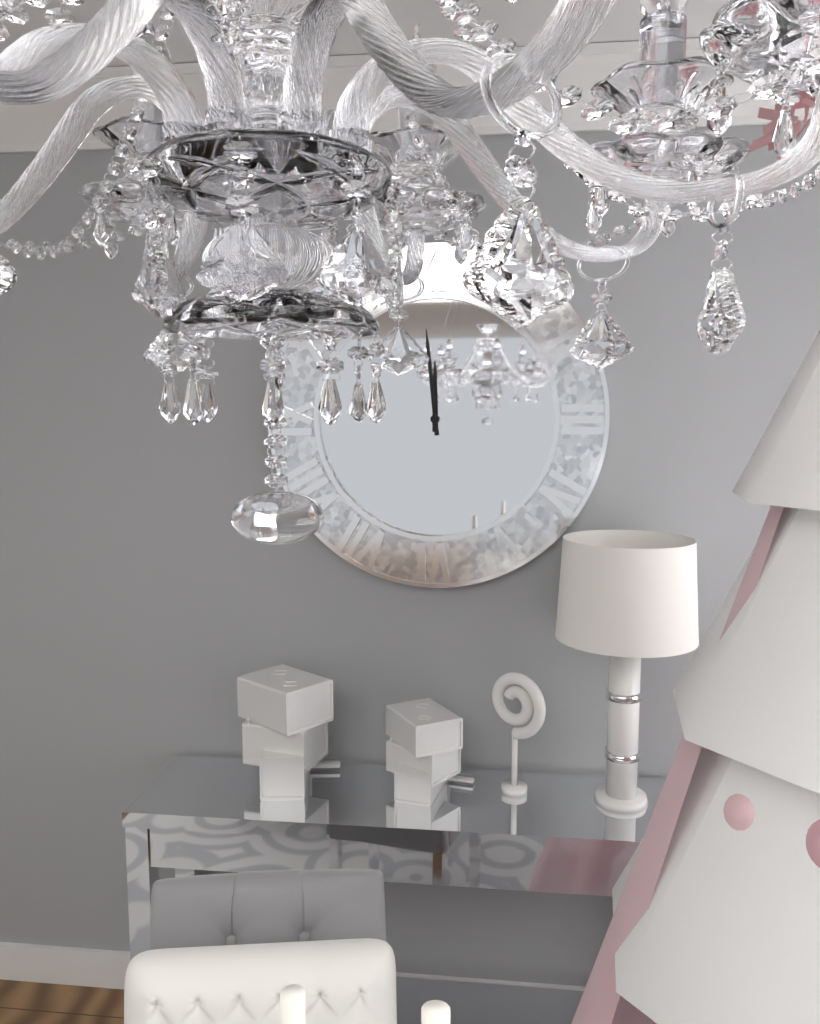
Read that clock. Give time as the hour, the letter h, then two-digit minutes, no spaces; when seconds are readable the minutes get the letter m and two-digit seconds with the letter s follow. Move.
11h59
